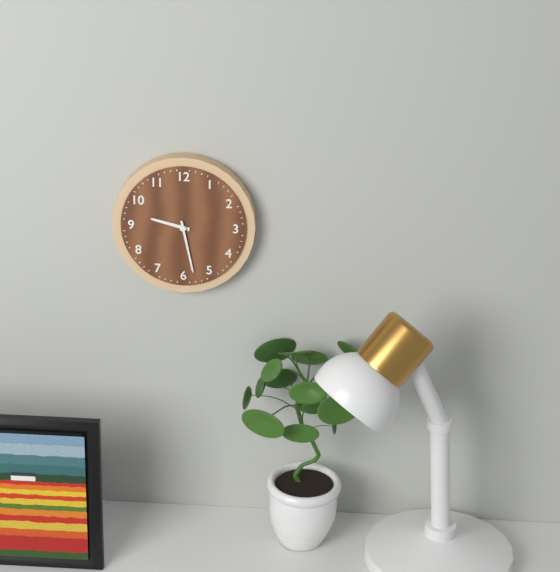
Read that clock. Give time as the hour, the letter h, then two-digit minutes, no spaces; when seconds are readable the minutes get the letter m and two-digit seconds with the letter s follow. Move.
9h28
